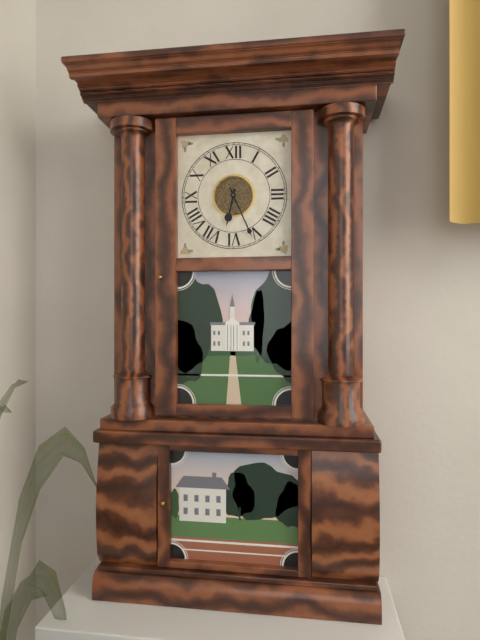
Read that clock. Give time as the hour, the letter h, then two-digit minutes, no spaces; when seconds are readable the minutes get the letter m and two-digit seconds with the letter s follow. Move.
6h26
